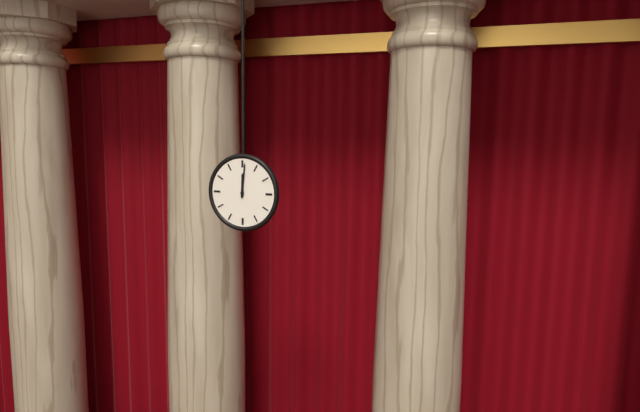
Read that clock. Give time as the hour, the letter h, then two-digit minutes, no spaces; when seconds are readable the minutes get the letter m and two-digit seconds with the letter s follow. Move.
12h01
